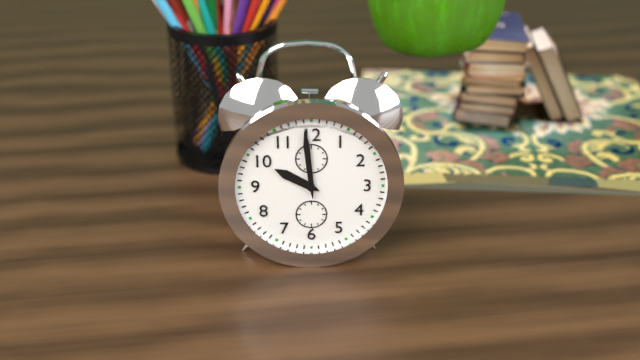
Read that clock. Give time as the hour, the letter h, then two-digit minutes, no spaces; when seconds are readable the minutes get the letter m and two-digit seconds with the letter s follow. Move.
9h59
